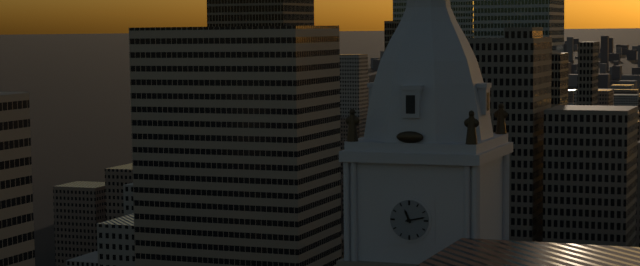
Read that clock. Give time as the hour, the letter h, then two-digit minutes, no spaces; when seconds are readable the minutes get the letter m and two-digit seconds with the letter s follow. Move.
11h13
